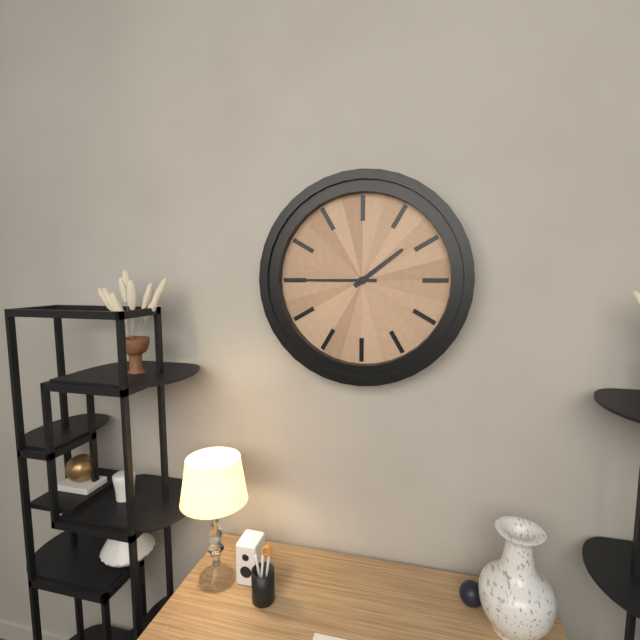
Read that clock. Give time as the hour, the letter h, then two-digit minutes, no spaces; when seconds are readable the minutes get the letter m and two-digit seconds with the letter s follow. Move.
1h45
